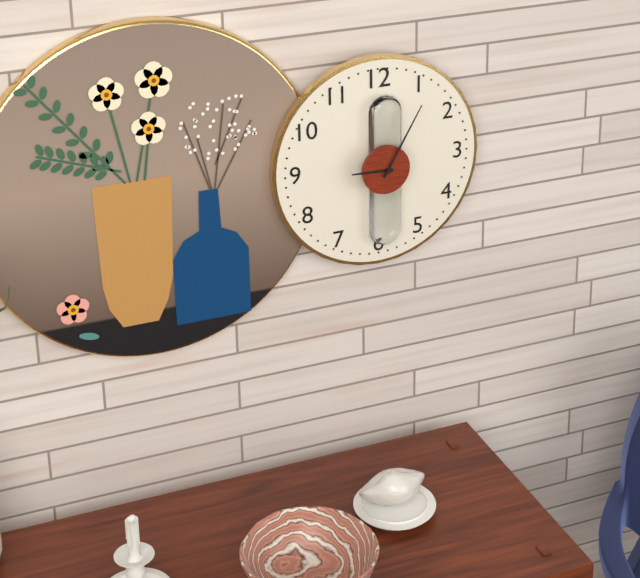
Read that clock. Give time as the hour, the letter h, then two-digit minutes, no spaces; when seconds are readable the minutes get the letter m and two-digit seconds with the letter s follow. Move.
9h05
